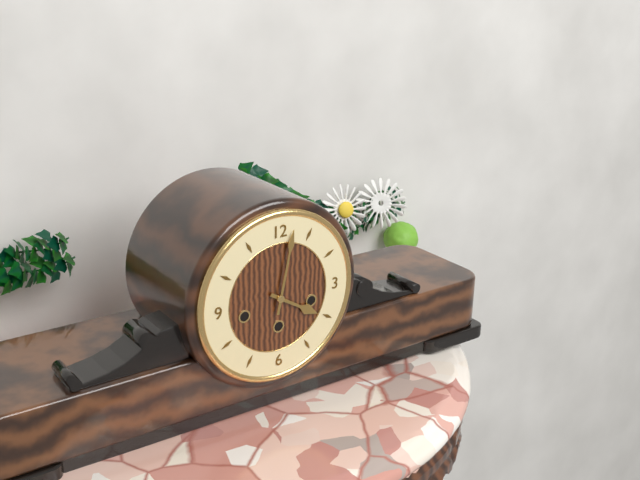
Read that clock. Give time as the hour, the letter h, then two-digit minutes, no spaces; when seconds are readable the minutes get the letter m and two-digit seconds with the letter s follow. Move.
4h02
